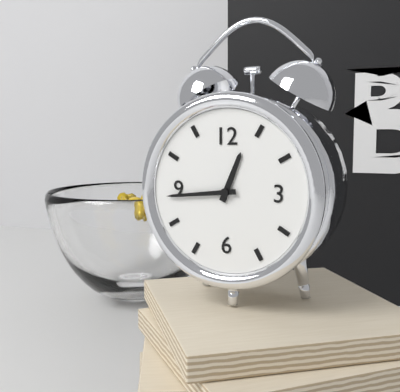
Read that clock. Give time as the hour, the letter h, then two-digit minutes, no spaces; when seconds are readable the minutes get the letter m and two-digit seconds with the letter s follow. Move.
12h44
